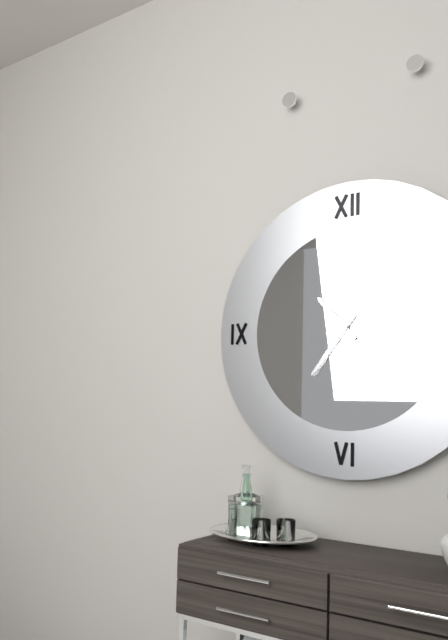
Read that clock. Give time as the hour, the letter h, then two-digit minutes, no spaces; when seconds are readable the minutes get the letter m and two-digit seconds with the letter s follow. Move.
10h36
